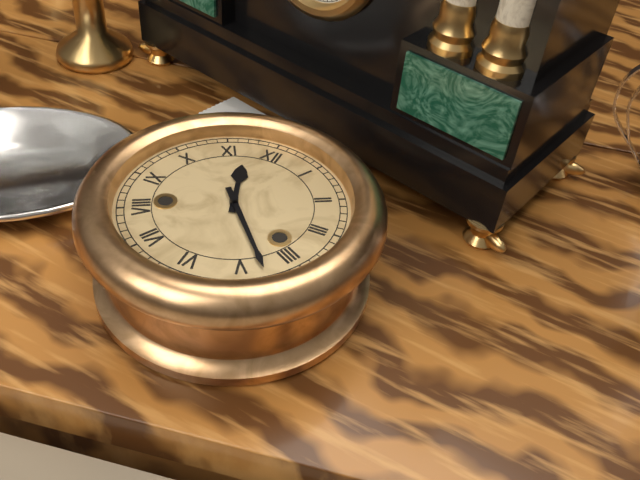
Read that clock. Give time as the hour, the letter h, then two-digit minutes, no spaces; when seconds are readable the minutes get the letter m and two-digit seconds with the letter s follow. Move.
11h23
